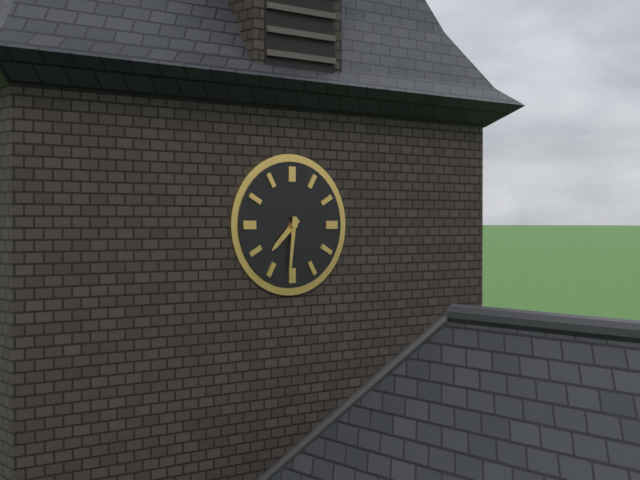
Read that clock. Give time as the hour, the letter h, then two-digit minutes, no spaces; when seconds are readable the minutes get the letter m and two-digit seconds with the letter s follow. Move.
7h31
